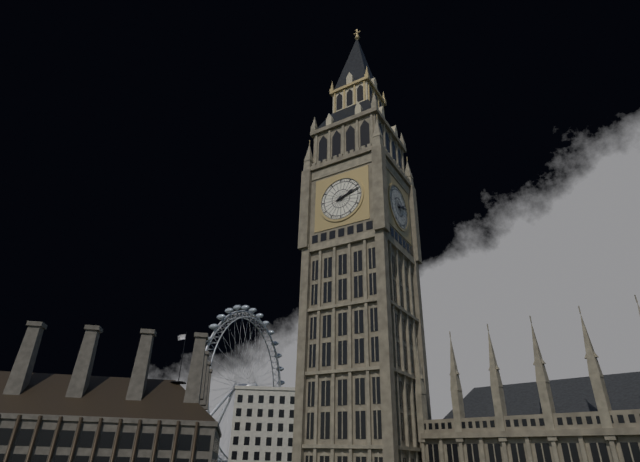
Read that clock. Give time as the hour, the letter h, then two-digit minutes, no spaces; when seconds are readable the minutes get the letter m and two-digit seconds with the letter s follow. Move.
2h12
